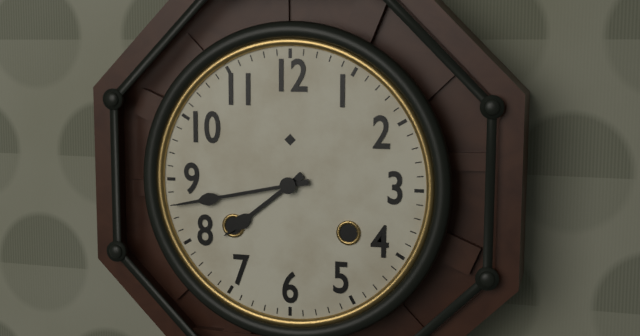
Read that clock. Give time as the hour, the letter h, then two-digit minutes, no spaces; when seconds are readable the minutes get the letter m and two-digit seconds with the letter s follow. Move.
7h43
